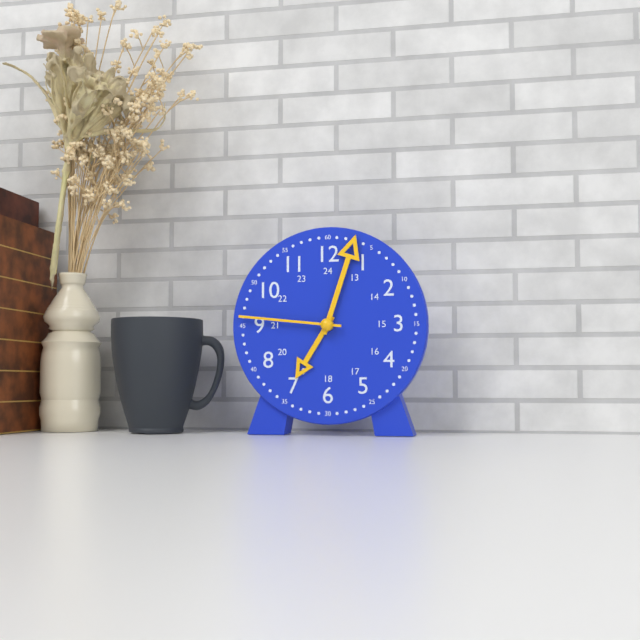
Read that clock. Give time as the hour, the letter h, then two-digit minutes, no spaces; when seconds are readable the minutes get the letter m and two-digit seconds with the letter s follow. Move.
7h03m46s
